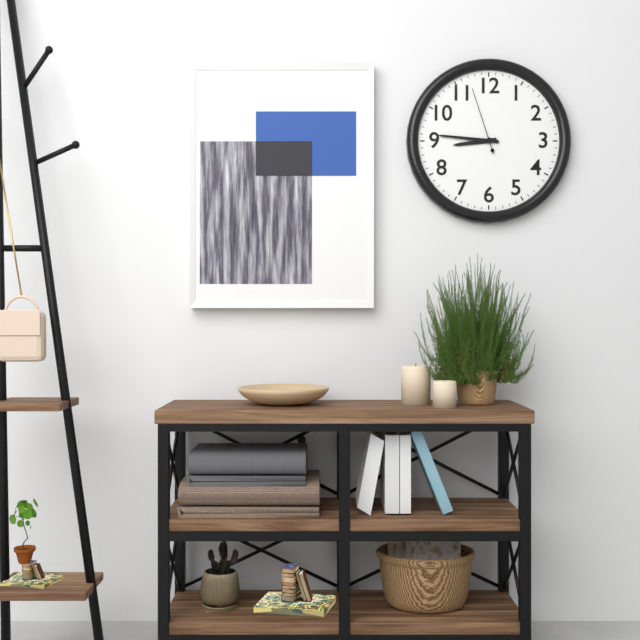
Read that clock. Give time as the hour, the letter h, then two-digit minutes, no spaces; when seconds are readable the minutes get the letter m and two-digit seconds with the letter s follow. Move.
8h46m57s
